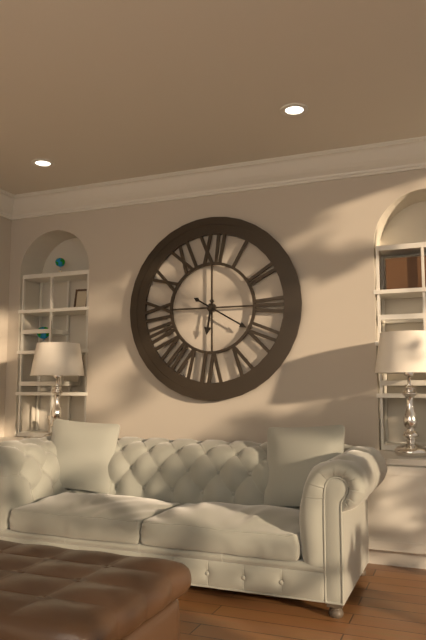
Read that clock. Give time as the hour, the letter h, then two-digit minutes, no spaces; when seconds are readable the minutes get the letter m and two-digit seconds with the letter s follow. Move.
6h20
